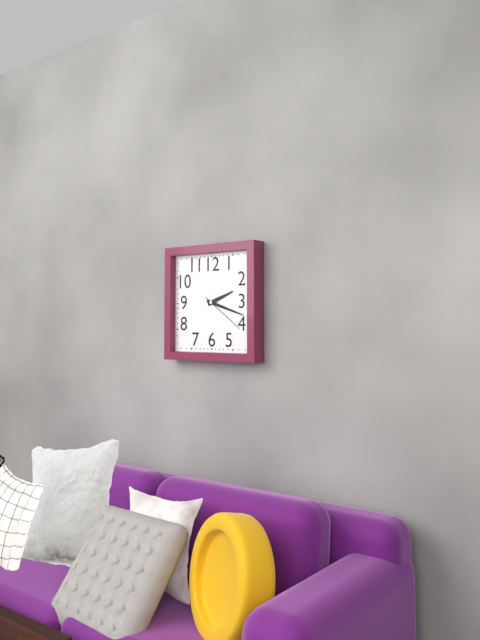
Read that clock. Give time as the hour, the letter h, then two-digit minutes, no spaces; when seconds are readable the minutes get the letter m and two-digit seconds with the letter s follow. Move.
2h18
